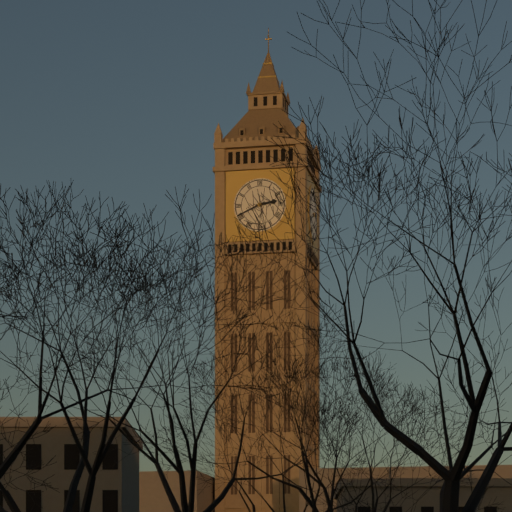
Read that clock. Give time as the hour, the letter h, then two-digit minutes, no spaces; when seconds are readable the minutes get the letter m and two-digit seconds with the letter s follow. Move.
2h41
